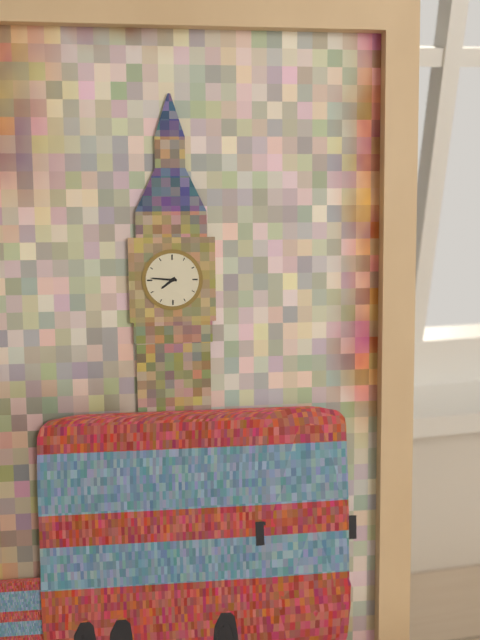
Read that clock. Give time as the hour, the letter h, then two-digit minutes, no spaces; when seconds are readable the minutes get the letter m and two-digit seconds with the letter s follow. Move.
7h46
